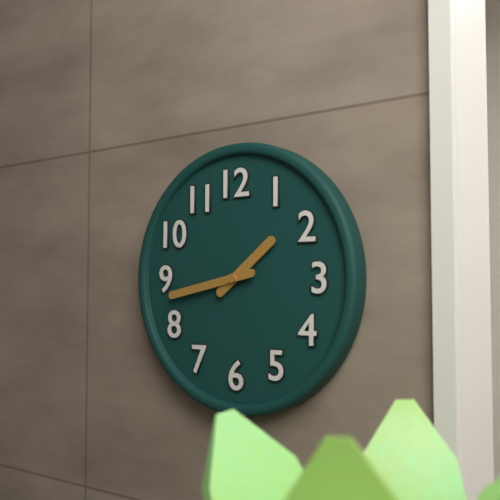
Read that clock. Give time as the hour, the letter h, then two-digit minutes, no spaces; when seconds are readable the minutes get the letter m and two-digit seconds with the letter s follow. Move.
1h43
